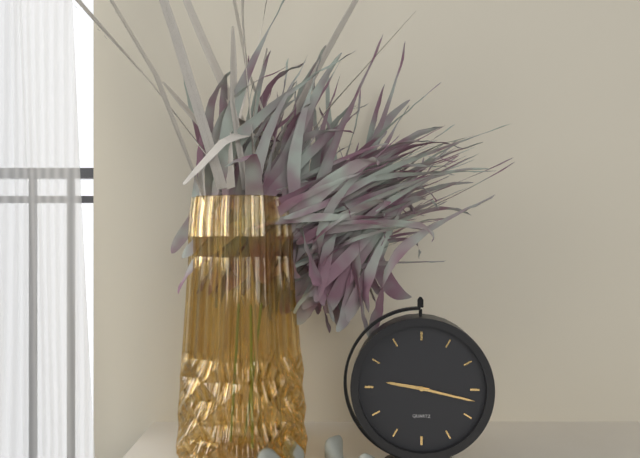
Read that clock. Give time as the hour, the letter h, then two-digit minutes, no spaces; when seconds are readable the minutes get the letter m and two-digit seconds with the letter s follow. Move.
9h17
